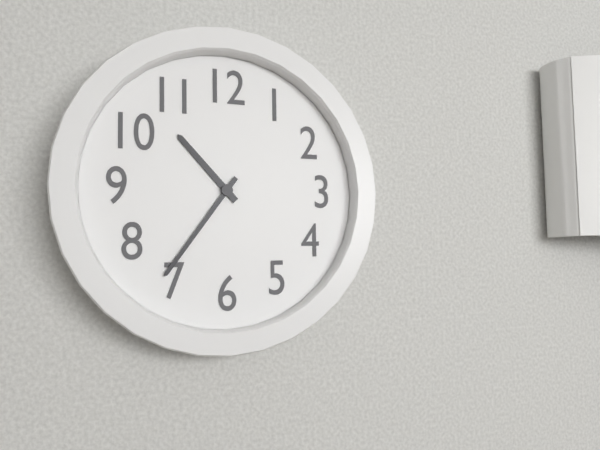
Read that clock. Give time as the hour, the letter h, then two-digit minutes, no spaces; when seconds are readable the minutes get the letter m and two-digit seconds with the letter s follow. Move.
10h36
